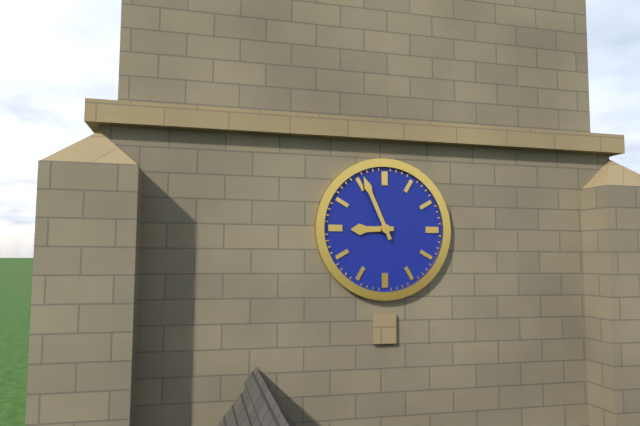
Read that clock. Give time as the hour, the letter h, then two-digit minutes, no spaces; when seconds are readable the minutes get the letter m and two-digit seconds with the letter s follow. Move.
8h56
